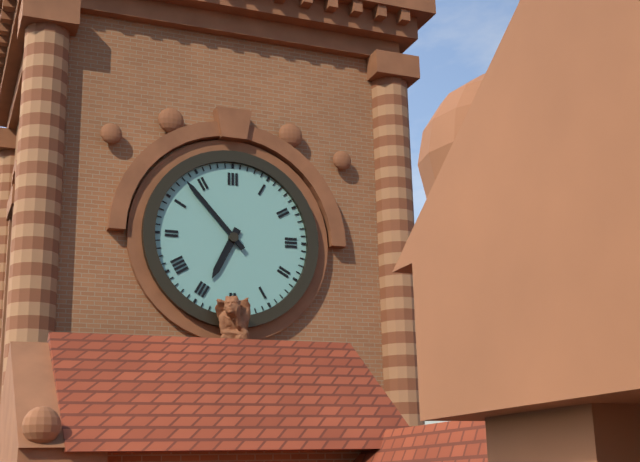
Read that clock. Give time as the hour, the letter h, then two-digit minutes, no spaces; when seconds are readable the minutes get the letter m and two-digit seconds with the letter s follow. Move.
6h53
